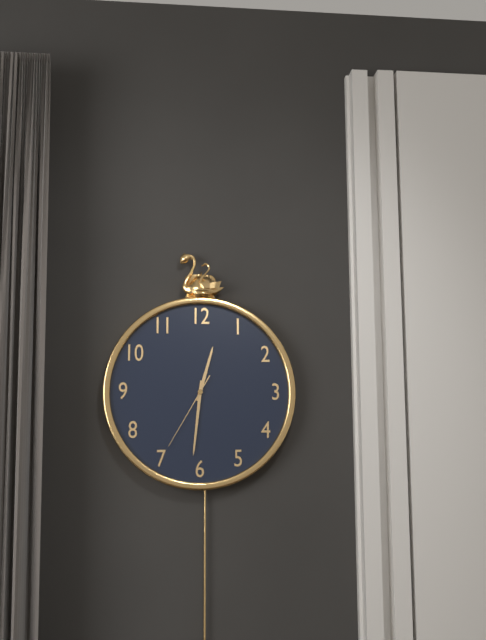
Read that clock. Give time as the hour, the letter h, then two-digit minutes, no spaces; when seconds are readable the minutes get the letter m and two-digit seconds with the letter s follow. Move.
12h31m35s
